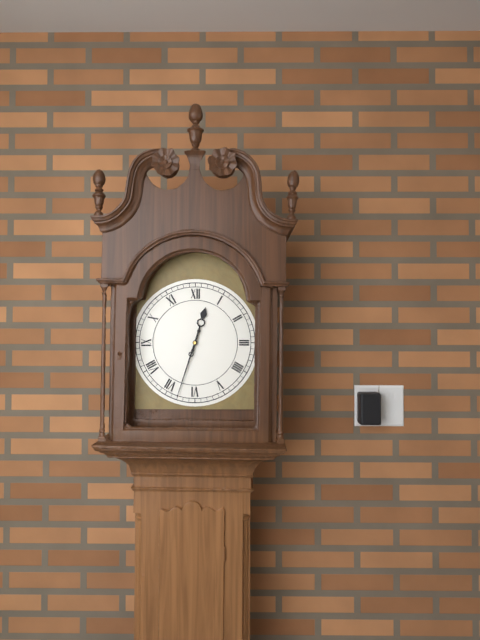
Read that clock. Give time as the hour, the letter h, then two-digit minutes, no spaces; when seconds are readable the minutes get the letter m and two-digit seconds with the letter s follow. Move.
12h33
